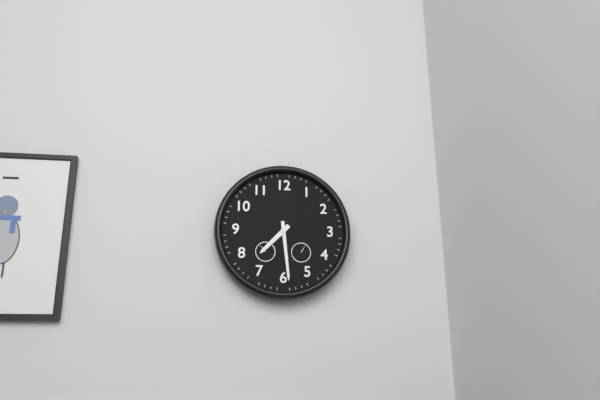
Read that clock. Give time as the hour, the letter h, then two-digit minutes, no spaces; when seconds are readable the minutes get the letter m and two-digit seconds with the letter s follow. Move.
7h29
